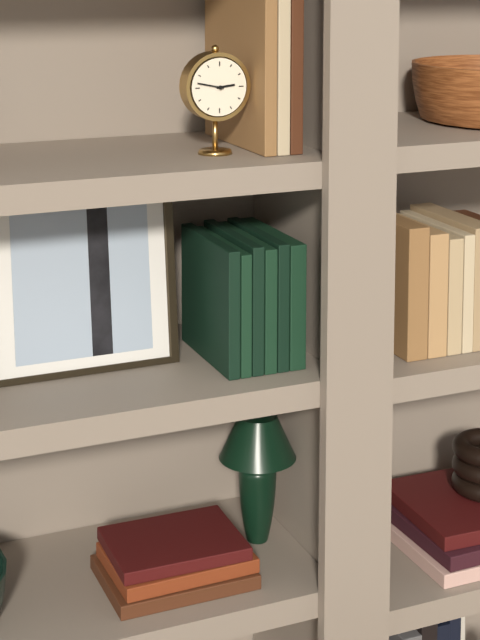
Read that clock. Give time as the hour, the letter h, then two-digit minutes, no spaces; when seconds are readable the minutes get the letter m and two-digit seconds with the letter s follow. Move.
2h47
